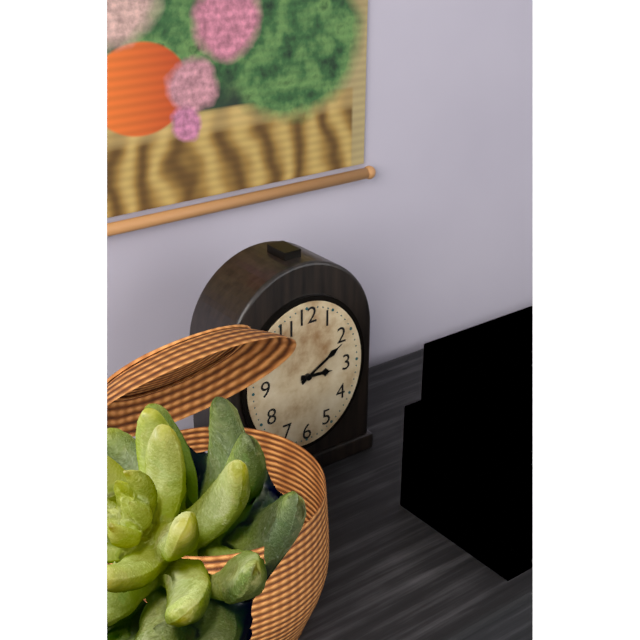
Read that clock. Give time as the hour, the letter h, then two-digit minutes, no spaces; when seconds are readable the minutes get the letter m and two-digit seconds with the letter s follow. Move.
3h10
